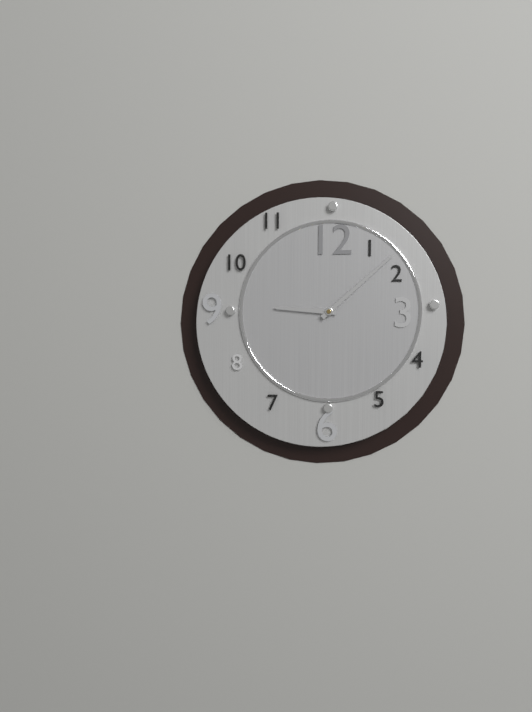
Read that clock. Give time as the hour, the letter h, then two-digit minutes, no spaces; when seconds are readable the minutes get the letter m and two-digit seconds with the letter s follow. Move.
9h08
